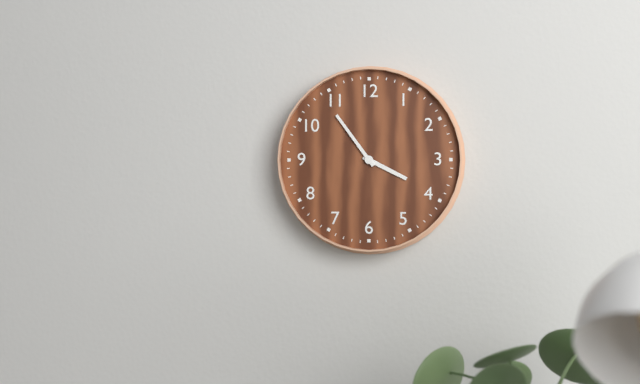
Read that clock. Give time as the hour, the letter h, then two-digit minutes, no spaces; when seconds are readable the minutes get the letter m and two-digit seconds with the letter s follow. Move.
3h54
